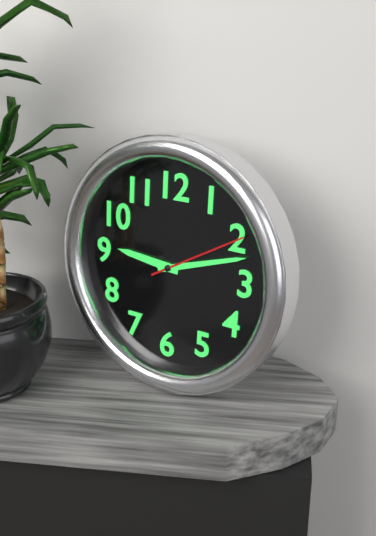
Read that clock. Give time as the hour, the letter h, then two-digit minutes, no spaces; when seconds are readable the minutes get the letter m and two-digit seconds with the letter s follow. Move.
9h12m10s
